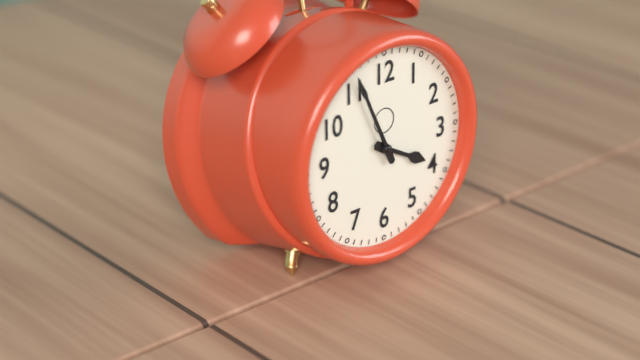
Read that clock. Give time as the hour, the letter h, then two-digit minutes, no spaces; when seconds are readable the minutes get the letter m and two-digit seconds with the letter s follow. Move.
3h56
